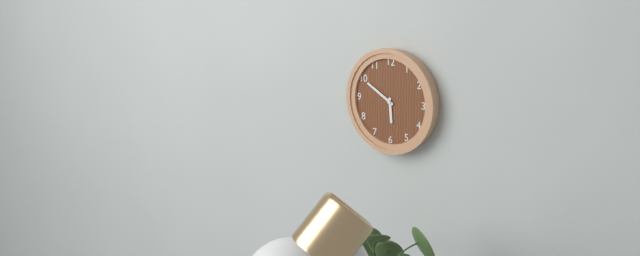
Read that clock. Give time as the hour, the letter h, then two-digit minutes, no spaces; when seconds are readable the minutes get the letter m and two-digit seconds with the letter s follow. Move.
5h50
